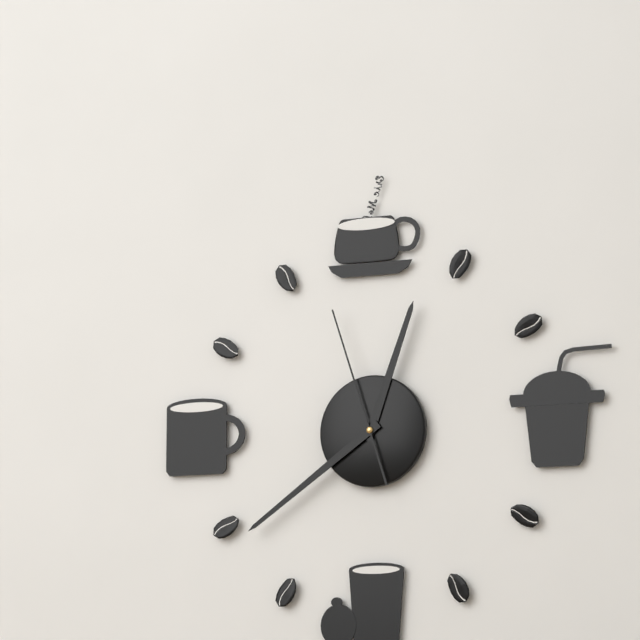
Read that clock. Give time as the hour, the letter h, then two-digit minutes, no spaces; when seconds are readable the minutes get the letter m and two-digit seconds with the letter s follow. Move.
12h39m57s
